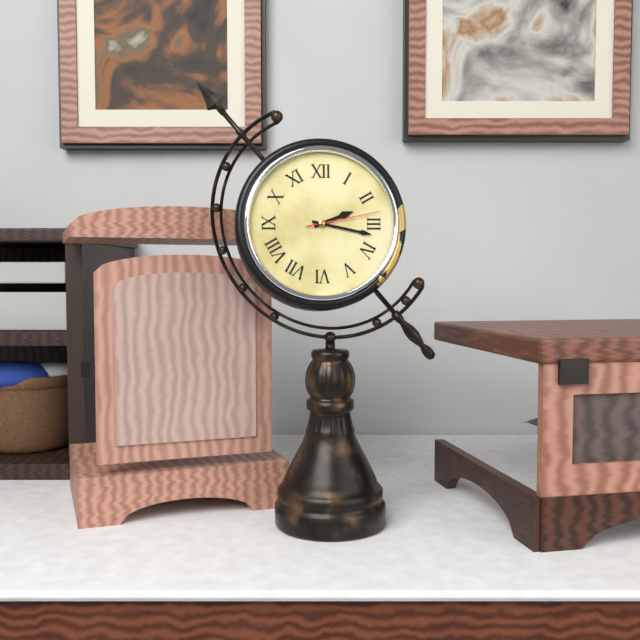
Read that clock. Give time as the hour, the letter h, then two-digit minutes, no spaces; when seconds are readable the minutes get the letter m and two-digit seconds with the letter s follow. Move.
2h17m13s
